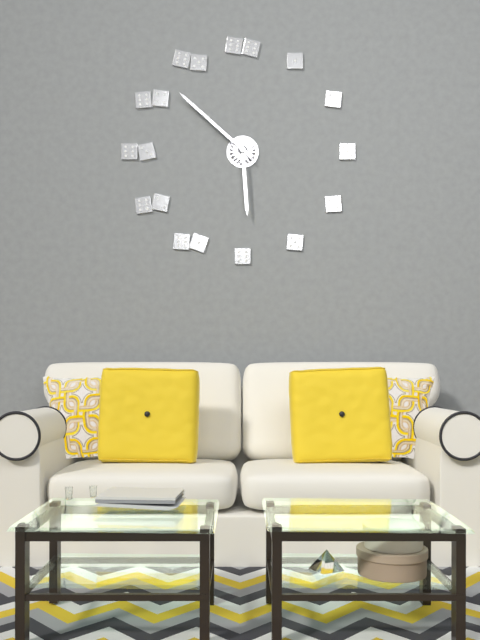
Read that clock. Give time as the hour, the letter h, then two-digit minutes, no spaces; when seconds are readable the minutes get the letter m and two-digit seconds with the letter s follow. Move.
5h52
